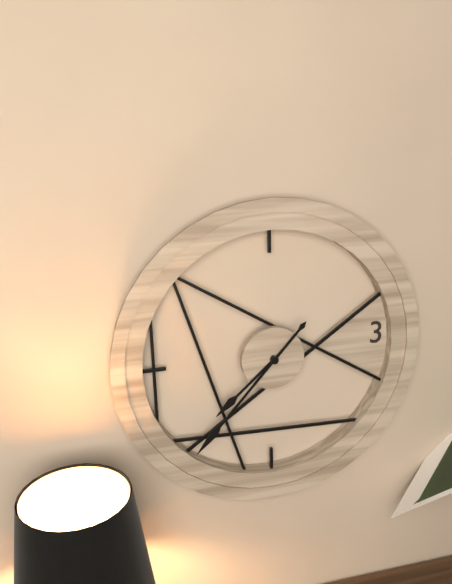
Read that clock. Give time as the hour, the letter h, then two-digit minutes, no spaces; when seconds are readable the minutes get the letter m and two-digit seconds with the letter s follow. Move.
7h37
